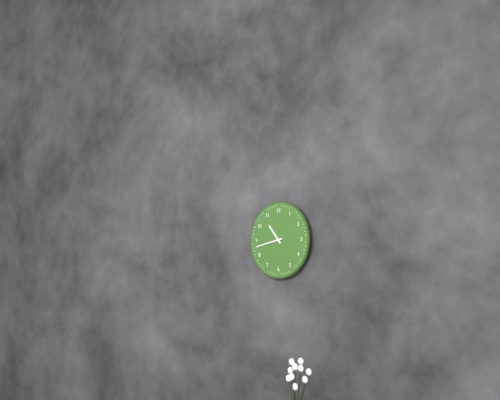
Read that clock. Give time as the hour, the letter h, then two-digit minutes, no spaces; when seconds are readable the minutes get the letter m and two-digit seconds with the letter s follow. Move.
10h43
